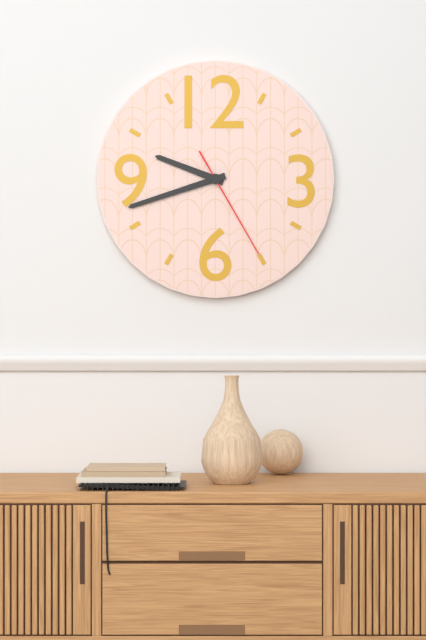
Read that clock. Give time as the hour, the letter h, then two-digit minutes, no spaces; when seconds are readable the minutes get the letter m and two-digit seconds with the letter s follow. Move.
9h42m25s
